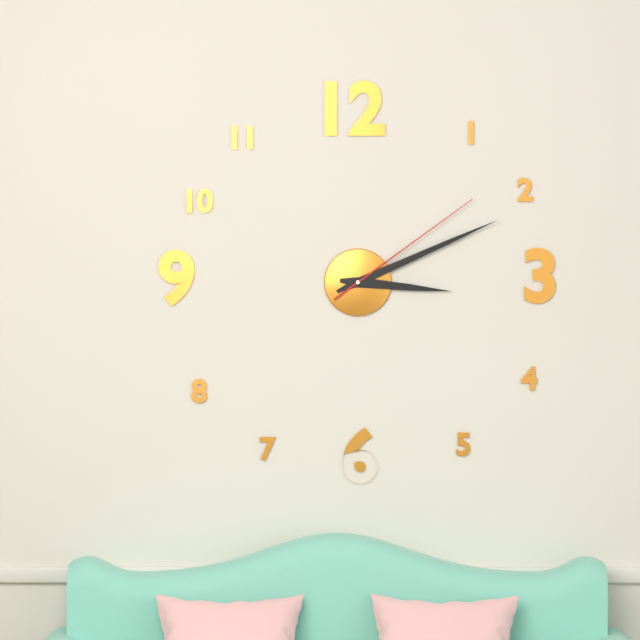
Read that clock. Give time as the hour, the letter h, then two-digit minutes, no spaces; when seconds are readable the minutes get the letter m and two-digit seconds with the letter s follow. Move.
3h11m09s
